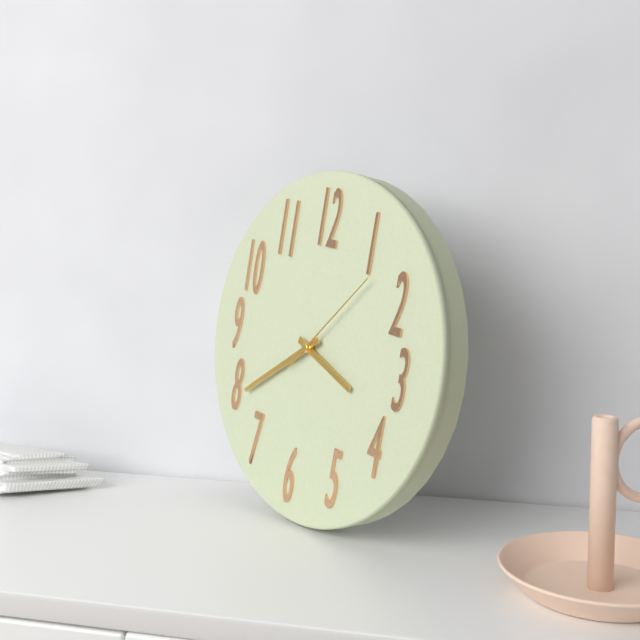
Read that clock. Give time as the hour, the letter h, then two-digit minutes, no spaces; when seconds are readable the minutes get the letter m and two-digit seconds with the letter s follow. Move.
3h39m07s
